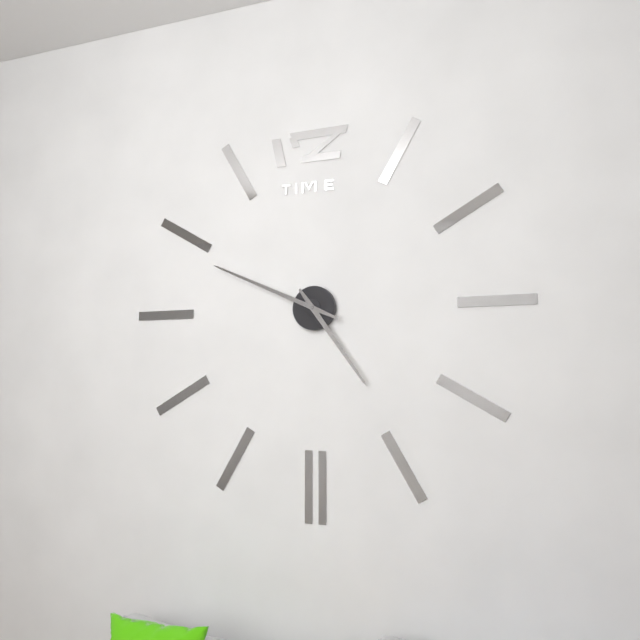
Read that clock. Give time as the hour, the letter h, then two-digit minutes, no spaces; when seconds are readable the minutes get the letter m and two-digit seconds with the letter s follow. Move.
4h49
